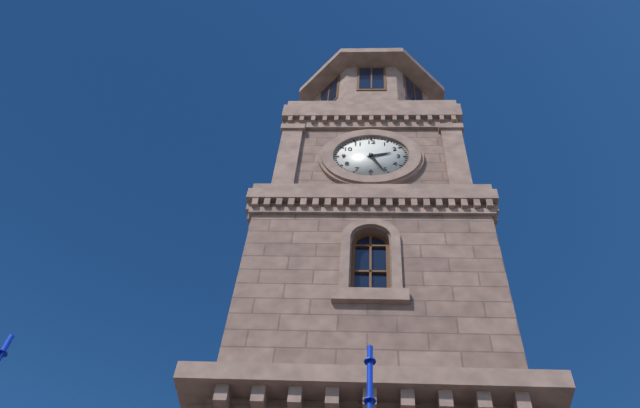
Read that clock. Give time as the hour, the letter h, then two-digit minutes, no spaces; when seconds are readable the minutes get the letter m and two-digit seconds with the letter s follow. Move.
2h26
